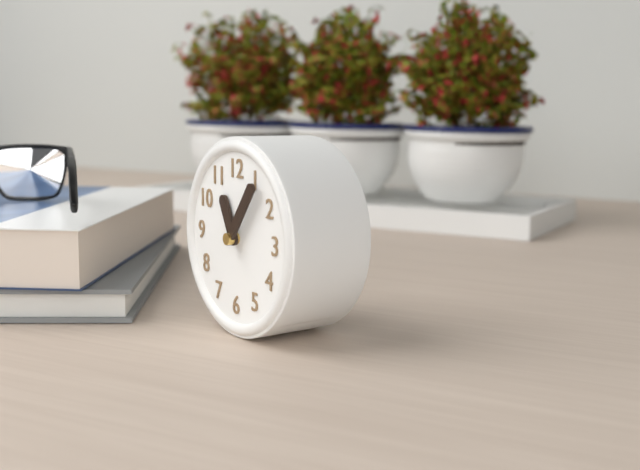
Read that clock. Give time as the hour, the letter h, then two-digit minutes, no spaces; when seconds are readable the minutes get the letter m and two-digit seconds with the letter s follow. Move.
11h06
